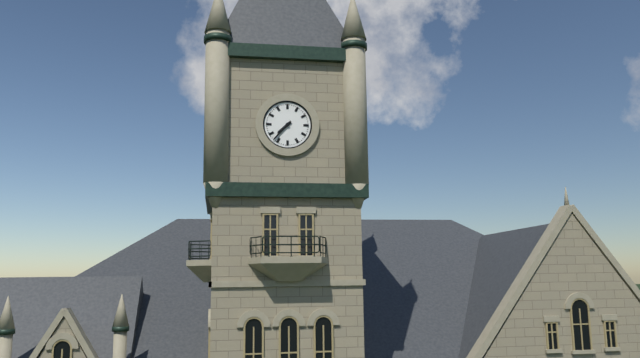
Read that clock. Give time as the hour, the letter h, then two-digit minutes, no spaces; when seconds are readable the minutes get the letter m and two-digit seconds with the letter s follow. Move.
7h37
